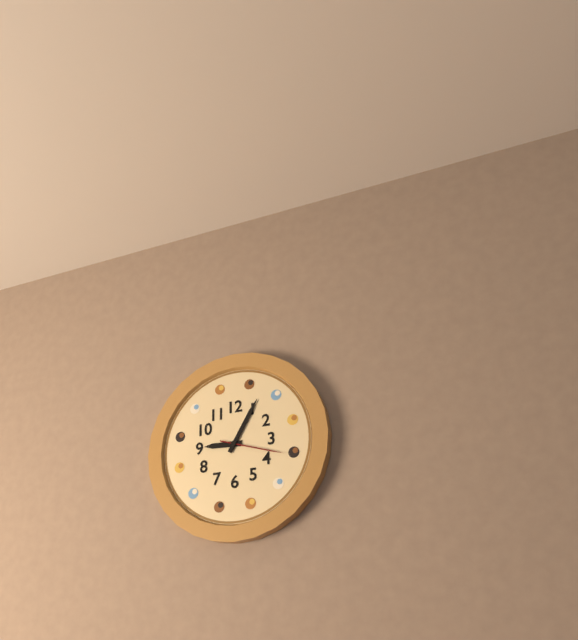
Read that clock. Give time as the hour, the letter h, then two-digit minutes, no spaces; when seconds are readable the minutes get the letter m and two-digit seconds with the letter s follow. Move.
9h05m18s
